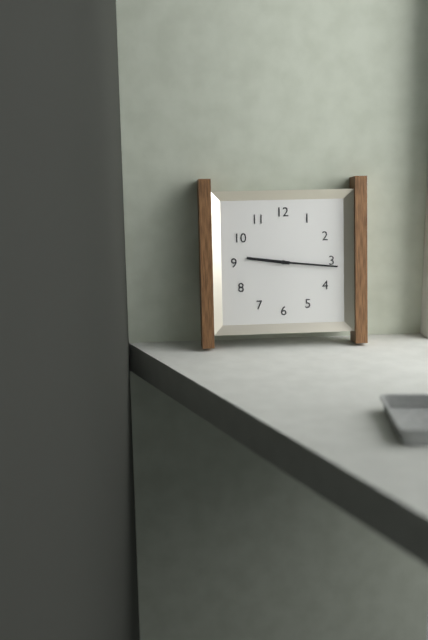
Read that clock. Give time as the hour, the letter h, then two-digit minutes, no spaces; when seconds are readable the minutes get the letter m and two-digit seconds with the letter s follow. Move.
9h16
